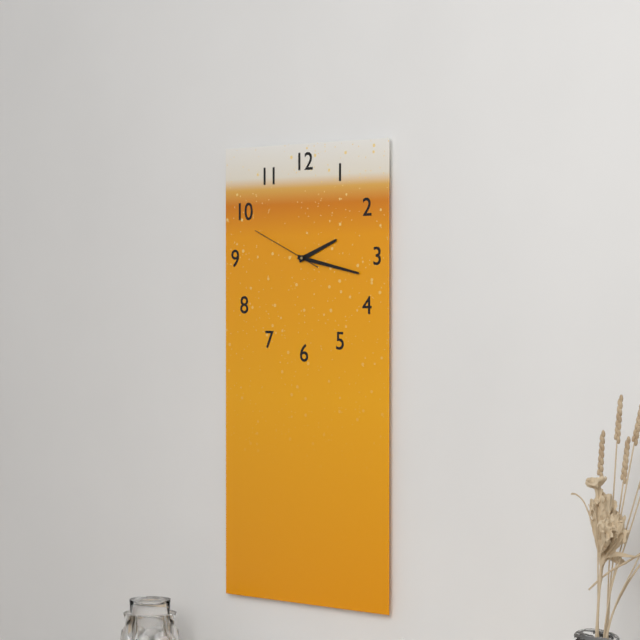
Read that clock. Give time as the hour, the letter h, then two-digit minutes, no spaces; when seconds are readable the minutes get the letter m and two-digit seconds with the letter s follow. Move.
2h17m49s
